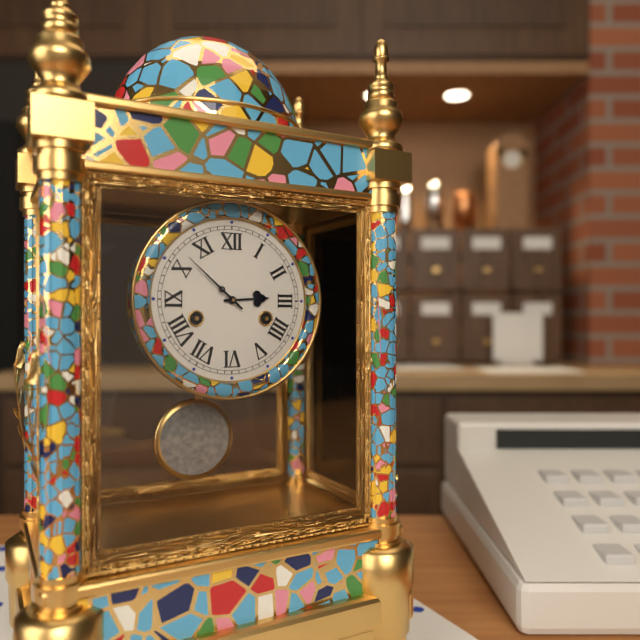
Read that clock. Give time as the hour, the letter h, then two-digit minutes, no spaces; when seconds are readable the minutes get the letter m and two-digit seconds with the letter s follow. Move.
2h52
